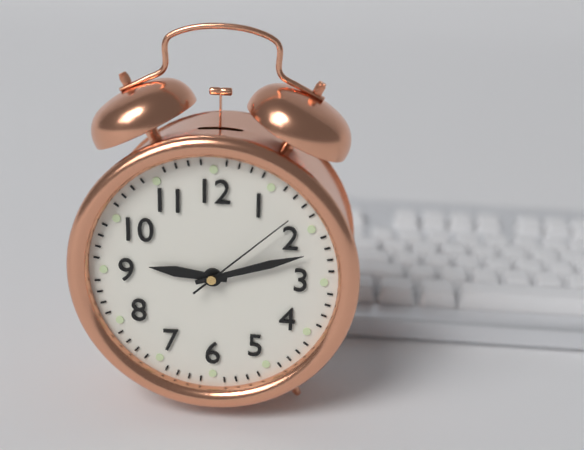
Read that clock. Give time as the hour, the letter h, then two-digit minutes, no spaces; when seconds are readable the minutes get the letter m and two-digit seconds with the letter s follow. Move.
9h12m08s
